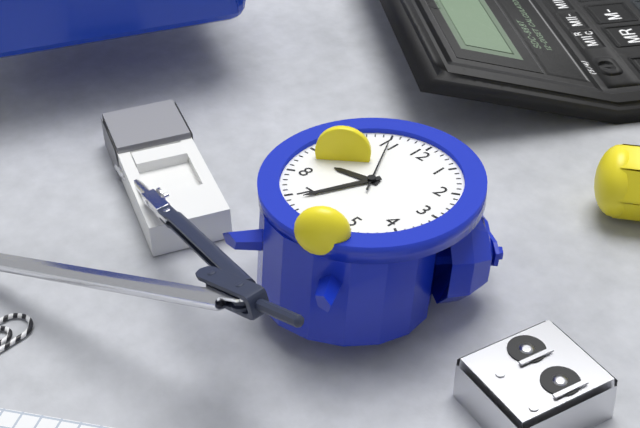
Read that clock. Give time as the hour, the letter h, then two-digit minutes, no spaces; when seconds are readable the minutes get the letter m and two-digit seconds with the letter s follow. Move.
8h34m55s
